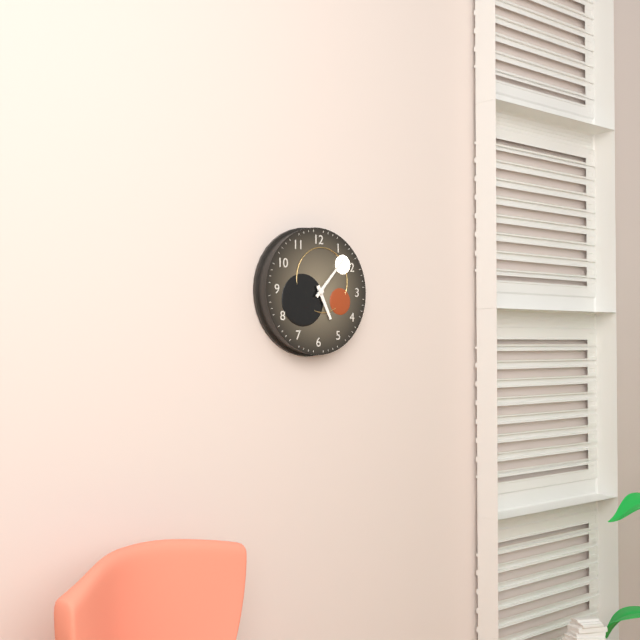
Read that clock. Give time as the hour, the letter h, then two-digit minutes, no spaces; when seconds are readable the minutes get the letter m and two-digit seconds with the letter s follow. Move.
5h07
